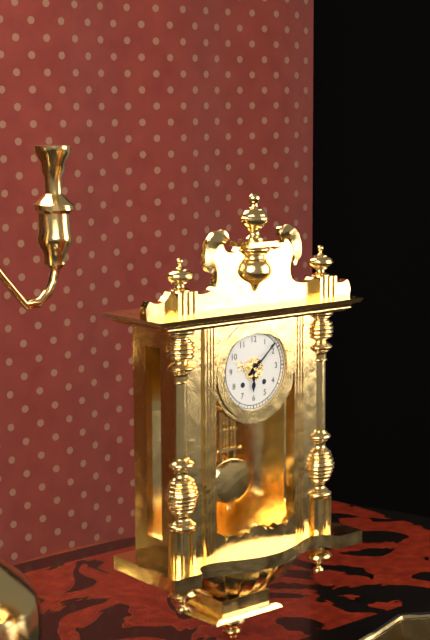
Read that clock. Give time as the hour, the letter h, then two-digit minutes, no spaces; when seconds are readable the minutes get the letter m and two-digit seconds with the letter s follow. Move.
6h08
